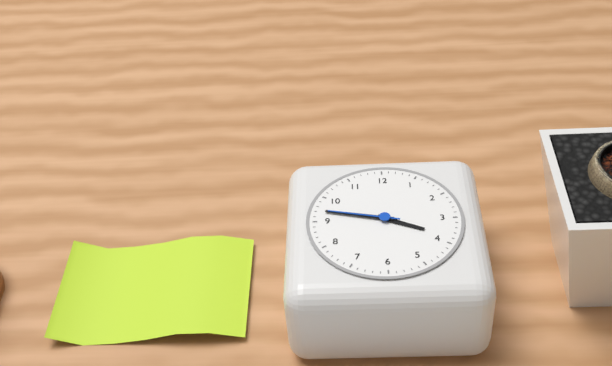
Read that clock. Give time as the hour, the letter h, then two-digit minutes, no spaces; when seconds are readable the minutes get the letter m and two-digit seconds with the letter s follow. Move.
3h47m47s
